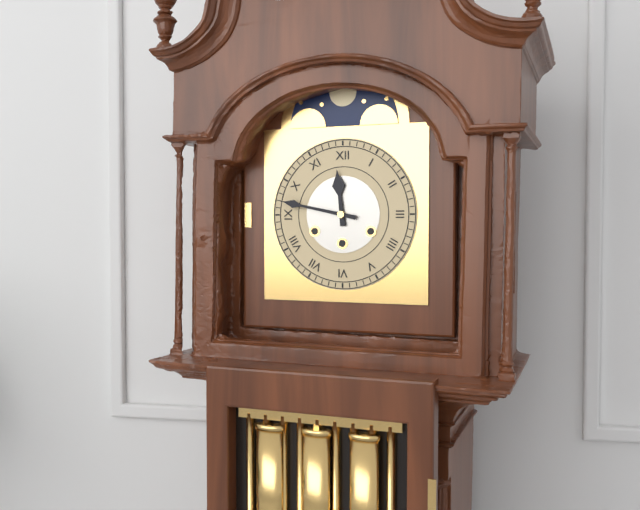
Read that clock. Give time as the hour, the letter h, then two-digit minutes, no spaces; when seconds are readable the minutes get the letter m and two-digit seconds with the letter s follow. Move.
11h47
